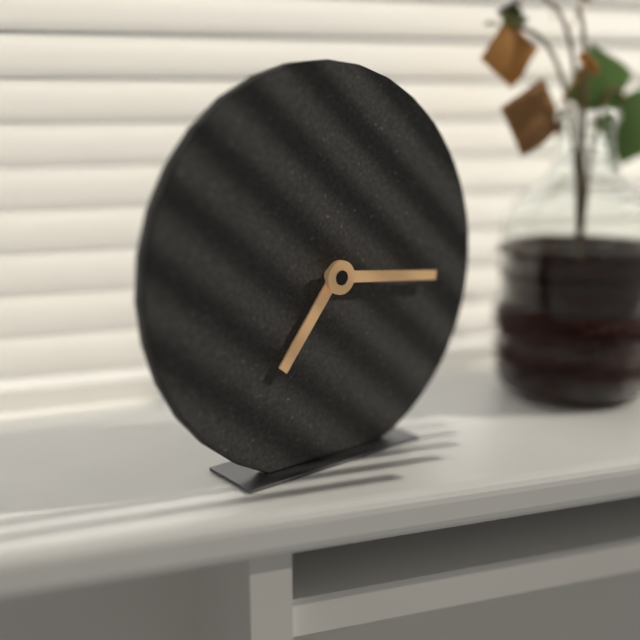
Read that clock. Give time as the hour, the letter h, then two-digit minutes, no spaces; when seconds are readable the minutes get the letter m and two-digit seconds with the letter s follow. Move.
7h16
